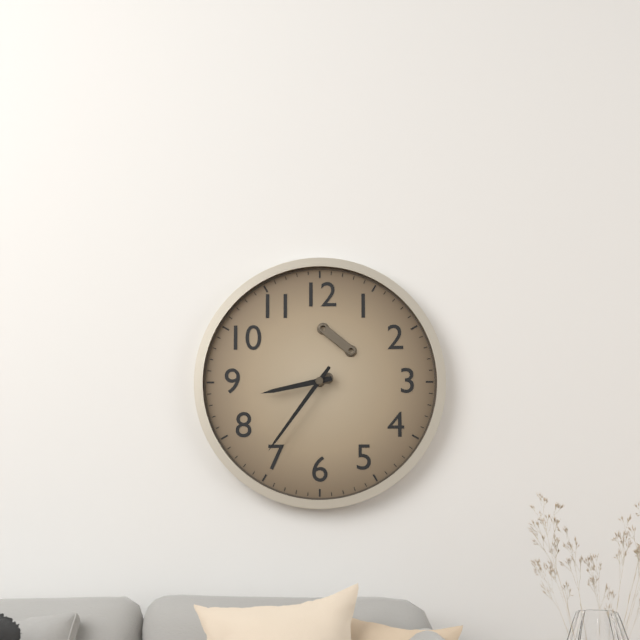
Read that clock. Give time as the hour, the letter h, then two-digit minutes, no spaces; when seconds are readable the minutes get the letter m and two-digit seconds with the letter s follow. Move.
8h36
